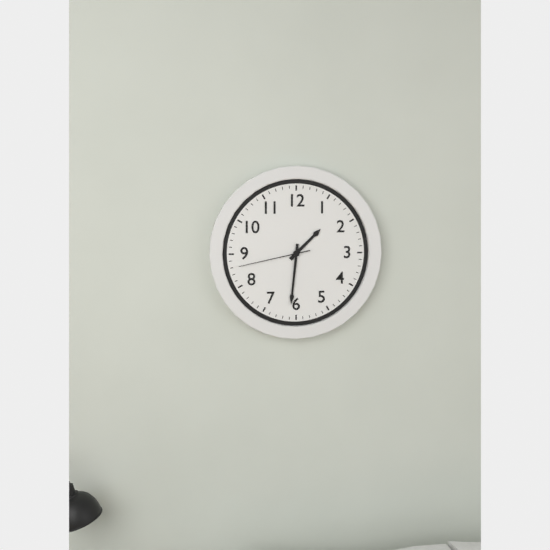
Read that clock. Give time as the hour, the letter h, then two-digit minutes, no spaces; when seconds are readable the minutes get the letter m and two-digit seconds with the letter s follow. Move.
1h31m43s
